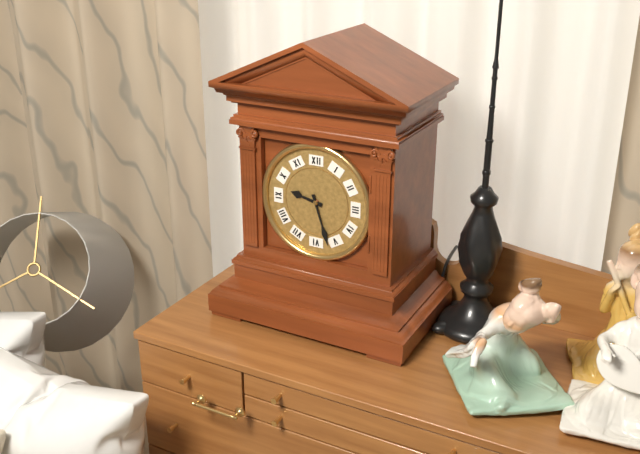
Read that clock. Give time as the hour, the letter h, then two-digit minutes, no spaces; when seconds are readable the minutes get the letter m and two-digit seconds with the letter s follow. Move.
9h27
